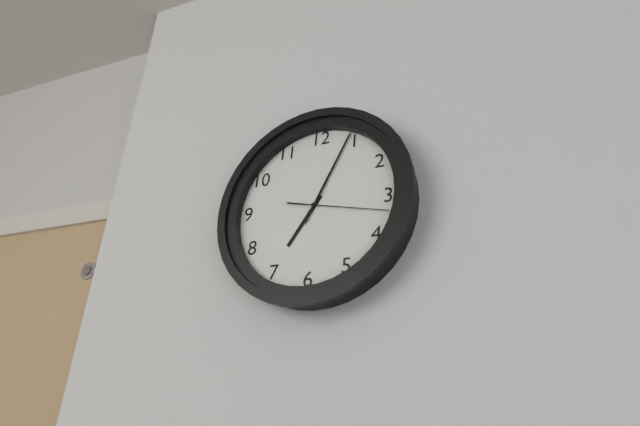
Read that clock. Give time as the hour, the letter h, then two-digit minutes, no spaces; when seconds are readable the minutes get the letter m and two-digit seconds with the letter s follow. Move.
7h04m17s
